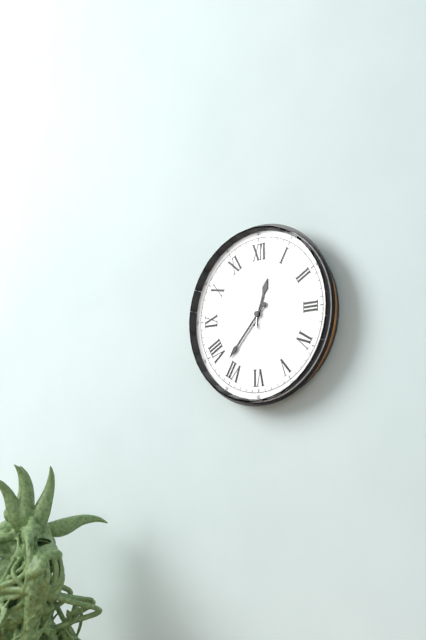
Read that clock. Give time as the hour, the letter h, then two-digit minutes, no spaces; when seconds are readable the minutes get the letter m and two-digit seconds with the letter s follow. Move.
12h37m01s
